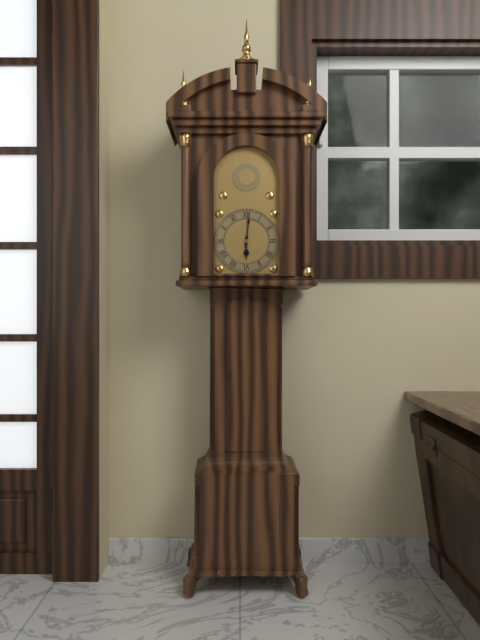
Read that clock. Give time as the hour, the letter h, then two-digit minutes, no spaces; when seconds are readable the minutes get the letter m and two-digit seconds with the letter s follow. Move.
6h01
